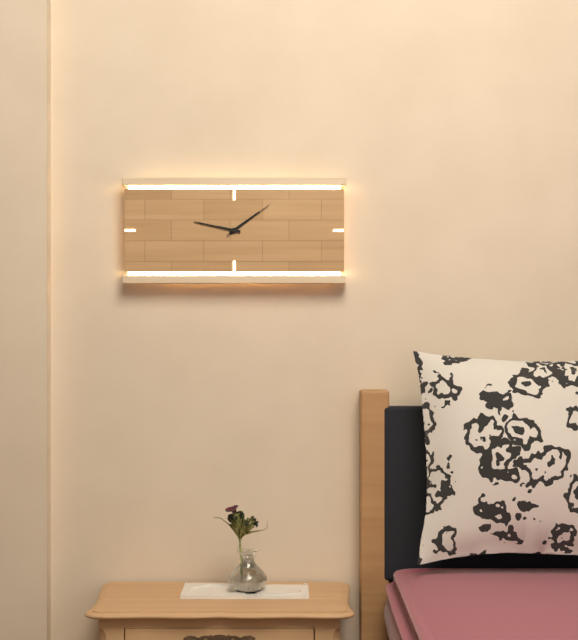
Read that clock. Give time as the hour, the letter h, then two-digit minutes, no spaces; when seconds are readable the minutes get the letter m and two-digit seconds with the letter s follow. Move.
1h47m09s
